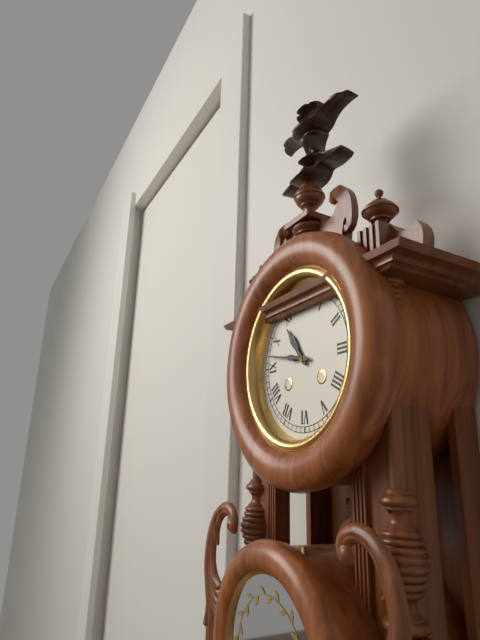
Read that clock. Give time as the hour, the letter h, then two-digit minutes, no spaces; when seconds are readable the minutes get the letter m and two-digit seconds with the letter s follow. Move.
10h47
